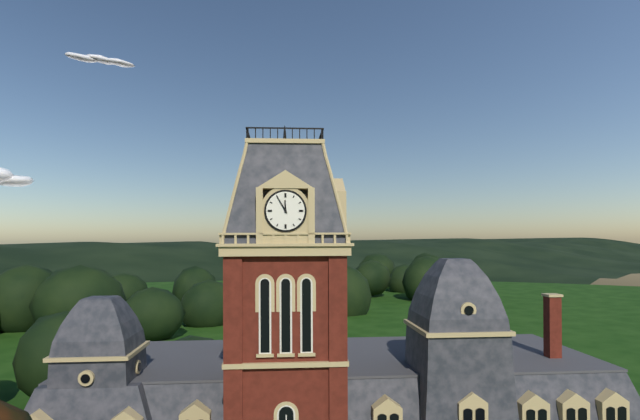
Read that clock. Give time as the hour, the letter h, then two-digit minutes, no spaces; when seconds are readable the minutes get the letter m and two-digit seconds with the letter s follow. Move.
11h55
